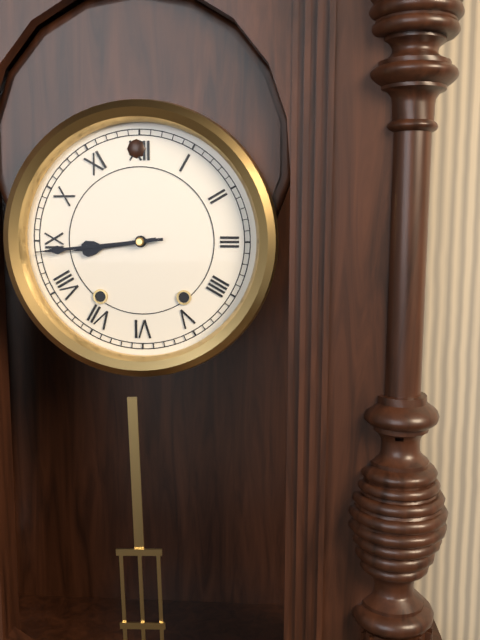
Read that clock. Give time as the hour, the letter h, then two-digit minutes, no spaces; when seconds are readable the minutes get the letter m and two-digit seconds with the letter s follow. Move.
8h44
